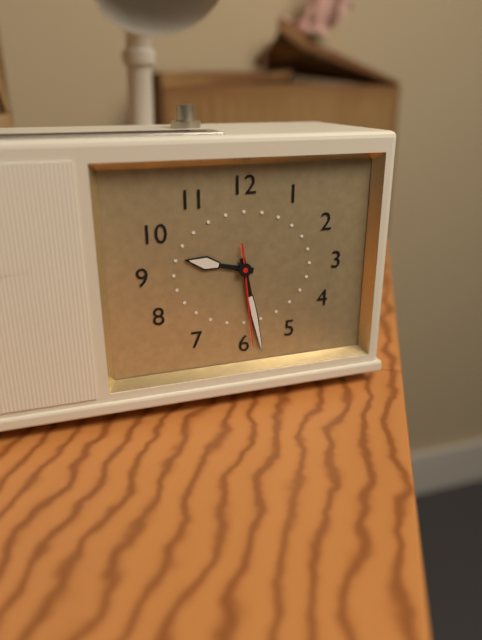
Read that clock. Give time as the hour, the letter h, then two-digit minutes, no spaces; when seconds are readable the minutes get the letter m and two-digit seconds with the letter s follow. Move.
9h28m29s
